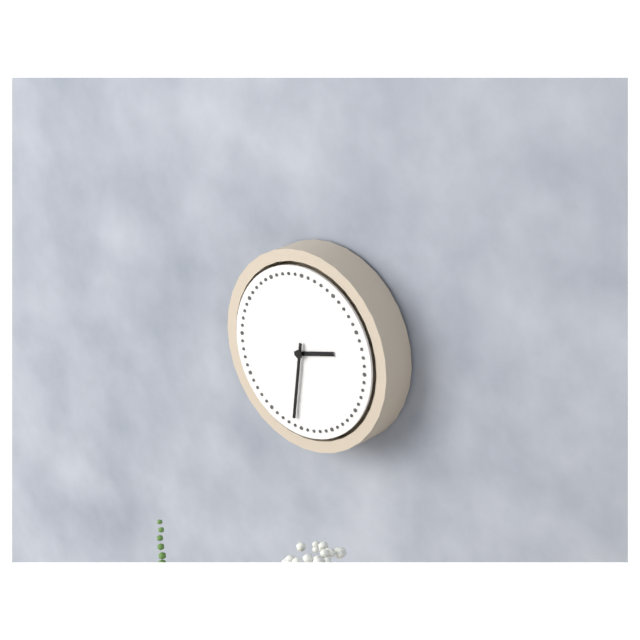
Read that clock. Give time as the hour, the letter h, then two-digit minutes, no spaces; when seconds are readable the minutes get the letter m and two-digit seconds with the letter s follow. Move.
2h31
